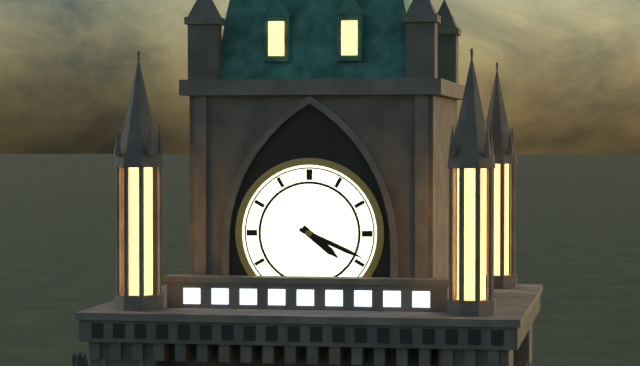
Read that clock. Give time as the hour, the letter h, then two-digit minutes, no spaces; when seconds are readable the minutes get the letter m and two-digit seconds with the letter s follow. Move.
4h19
